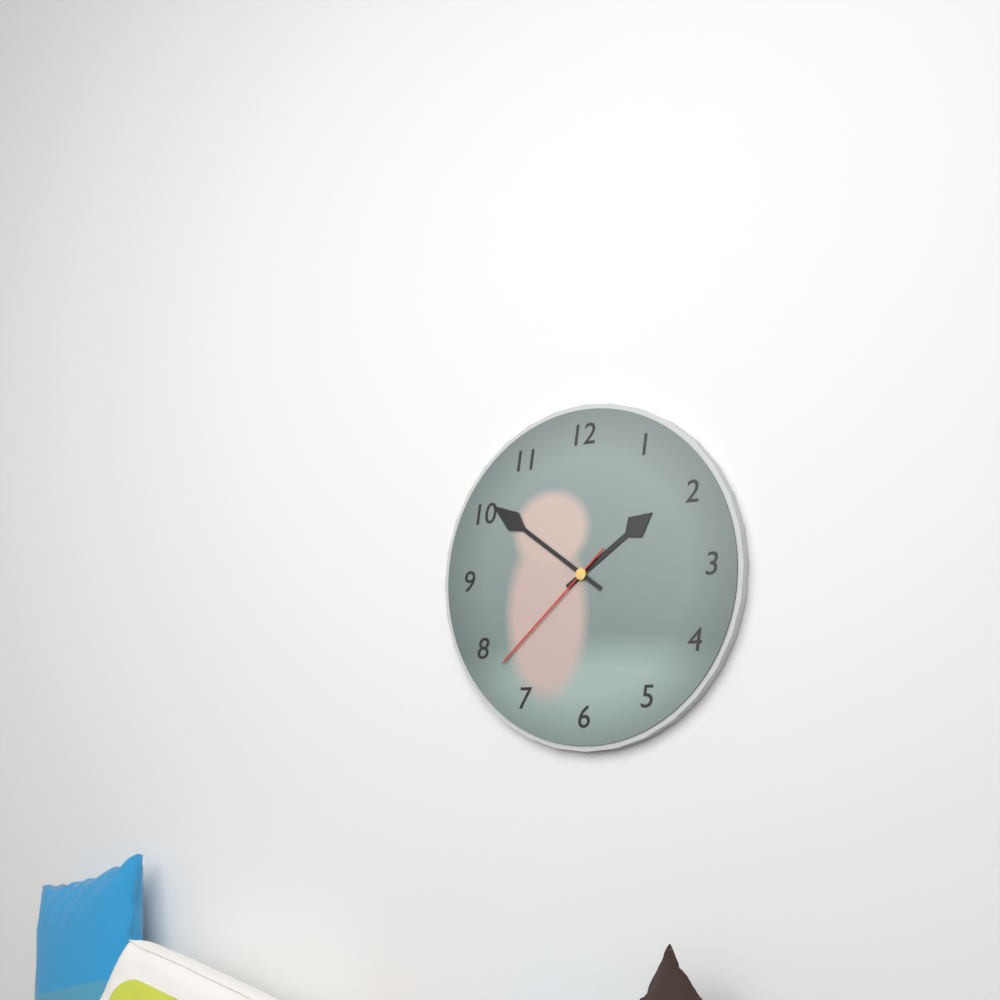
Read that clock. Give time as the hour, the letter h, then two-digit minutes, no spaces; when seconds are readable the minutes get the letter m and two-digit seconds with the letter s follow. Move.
1h51m38s
